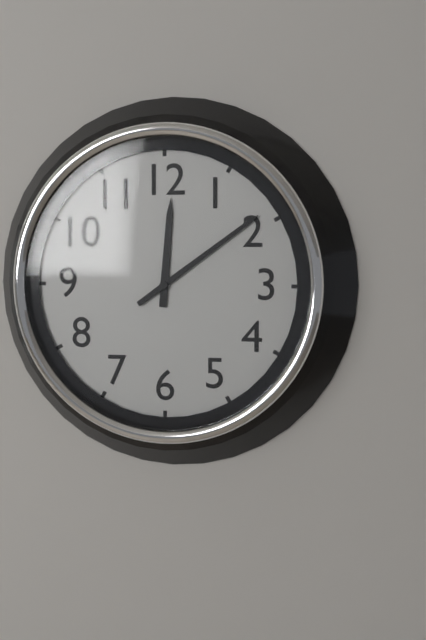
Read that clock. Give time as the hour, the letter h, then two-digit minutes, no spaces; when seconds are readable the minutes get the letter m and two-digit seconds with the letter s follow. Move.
12h09
